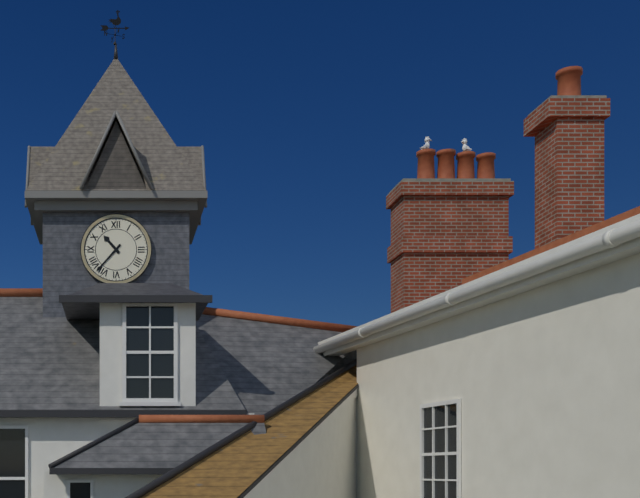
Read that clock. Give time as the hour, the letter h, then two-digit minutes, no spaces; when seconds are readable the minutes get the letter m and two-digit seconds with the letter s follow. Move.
10h37
